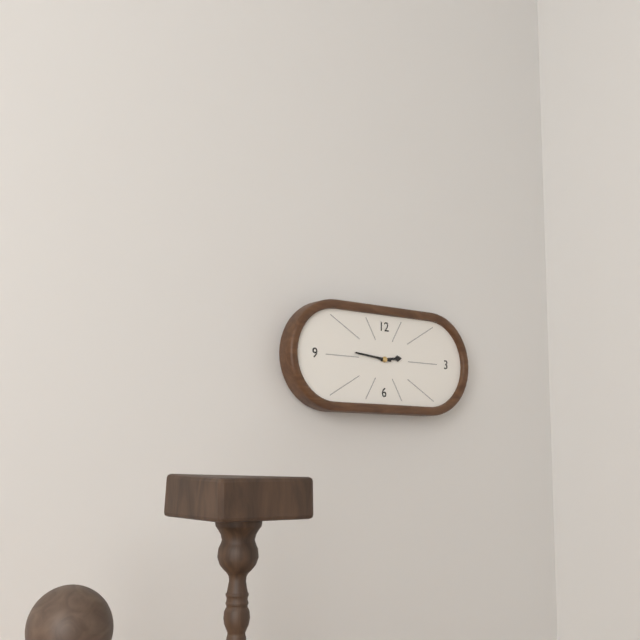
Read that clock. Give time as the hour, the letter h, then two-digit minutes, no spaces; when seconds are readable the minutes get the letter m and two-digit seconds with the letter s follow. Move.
2h46
